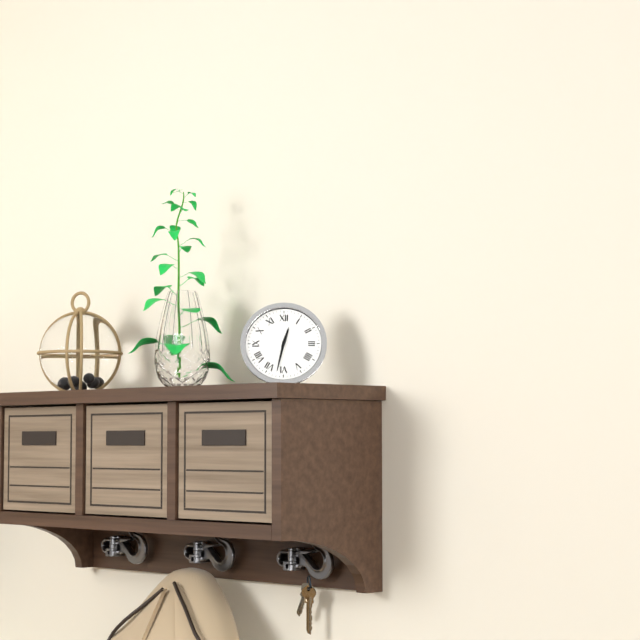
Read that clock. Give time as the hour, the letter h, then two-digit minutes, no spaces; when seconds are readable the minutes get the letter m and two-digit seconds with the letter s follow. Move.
12h32
